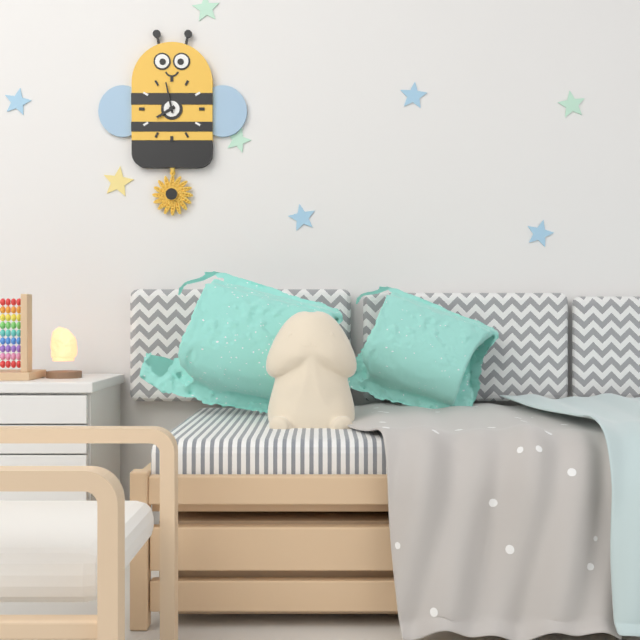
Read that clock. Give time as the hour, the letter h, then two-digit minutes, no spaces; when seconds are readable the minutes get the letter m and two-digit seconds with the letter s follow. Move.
7h58
